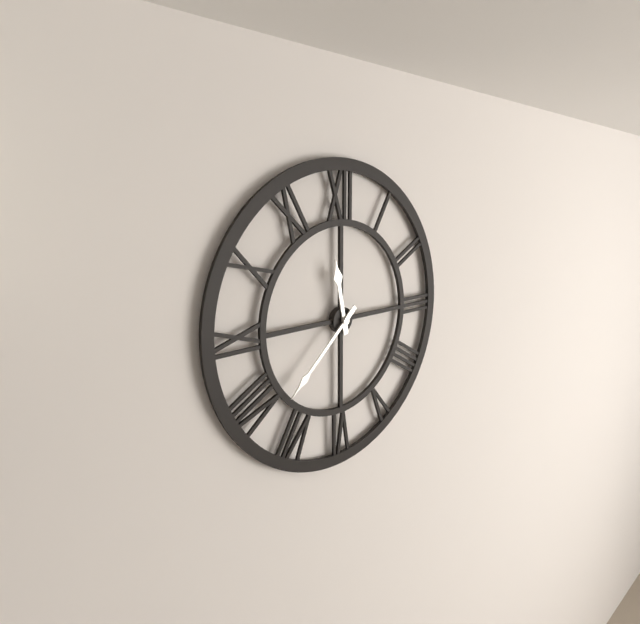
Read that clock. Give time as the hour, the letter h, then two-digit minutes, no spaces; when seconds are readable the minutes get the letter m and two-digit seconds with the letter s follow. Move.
11h38
